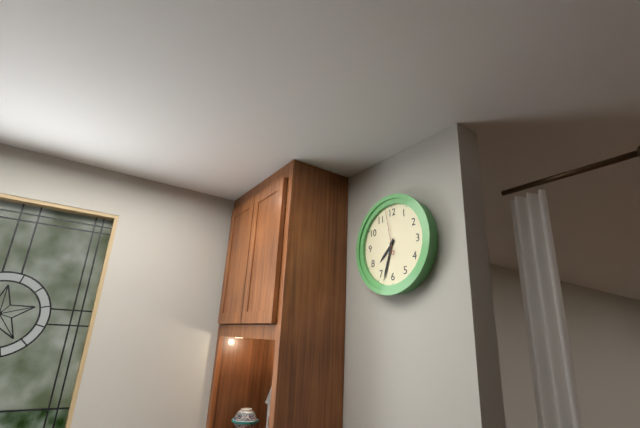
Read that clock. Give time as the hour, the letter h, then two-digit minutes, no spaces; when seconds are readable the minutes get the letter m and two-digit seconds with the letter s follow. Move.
7h33
